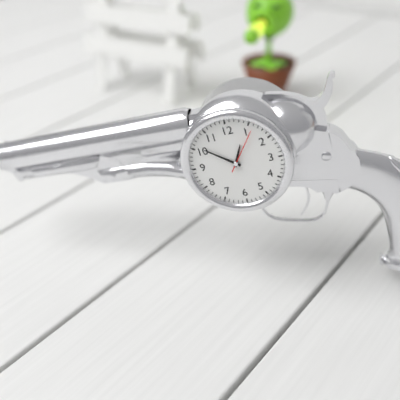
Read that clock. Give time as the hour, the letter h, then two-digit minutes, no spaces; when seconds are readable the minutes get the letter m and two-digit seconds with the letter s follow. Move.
12h51
